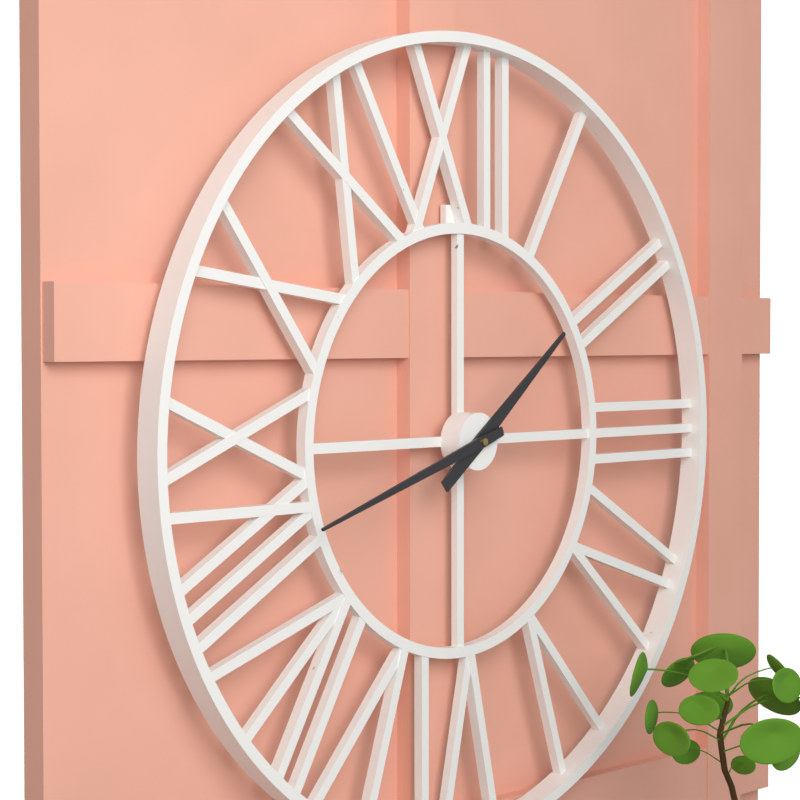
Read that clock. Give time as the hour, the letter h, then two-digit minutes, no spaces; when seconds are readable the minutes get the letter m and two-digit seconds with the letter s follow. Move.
1h42
